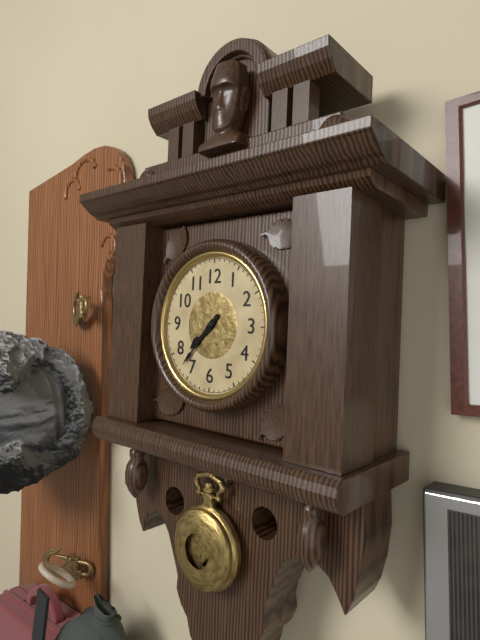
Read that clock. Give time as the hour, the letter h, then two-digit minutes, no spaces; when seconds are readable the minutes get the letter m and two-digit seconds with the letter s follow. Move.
7h37
